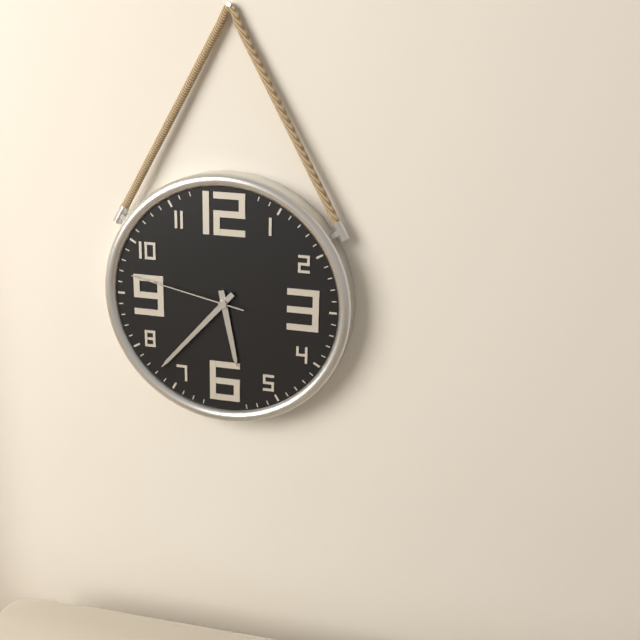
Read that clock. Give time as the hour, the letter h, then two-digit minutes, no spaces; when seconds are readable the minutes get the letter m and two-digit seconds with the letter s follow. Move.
5h37m47s
